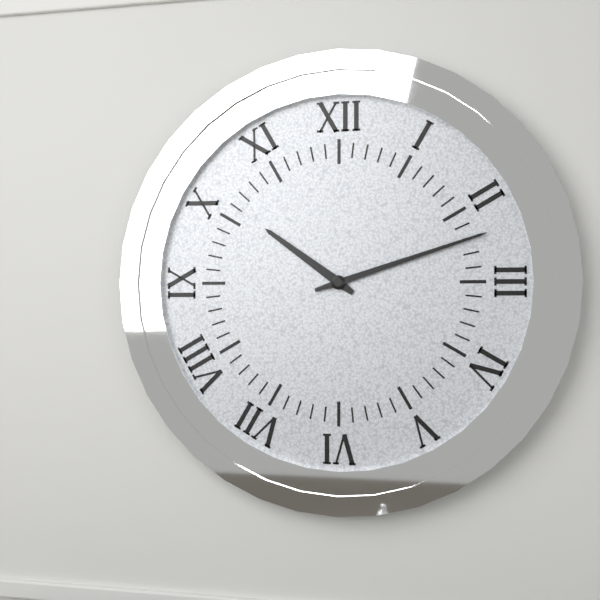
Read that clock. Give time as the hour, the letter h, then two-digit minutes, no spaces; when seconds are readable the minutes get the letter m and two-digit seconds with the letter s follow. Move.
10h12
